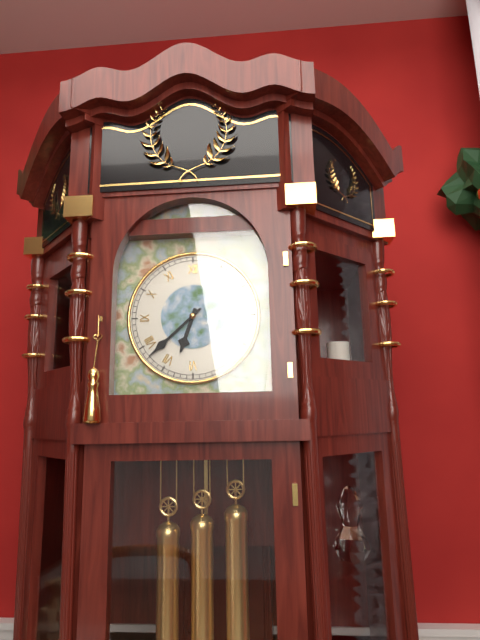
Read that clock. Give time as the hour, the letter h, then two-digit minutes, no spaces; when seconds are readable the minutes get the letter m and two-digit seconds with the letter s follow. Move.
6h38
